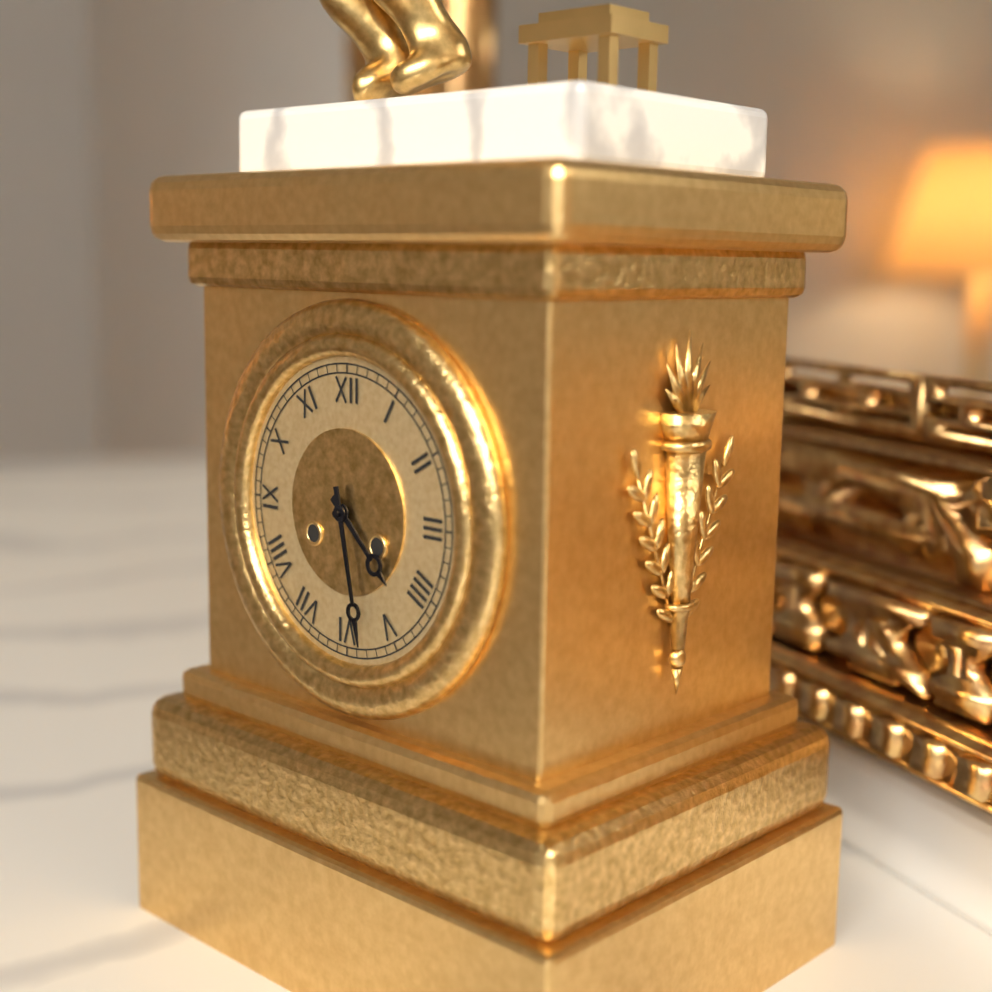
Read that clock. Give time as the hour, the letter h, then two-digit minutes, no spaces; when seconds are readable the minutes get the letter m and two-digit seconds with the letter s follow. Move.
4h28
